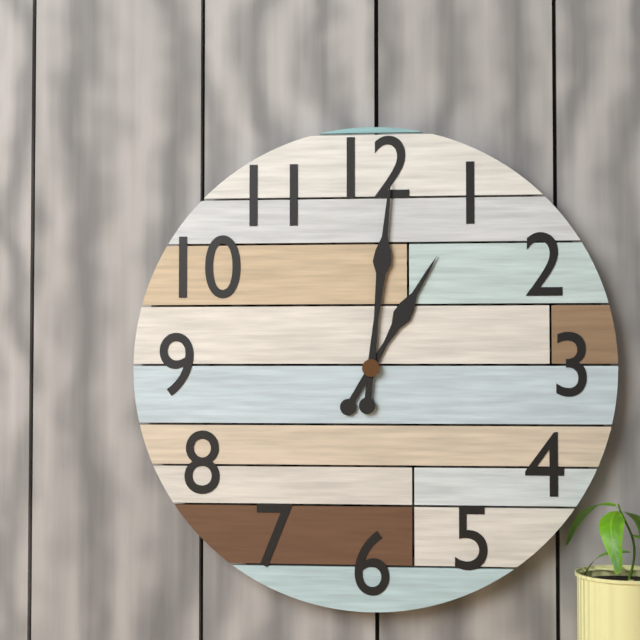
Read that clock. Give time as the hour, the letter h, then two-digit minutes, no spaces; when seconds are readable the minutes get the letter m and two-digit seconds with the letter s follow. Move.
1h01
